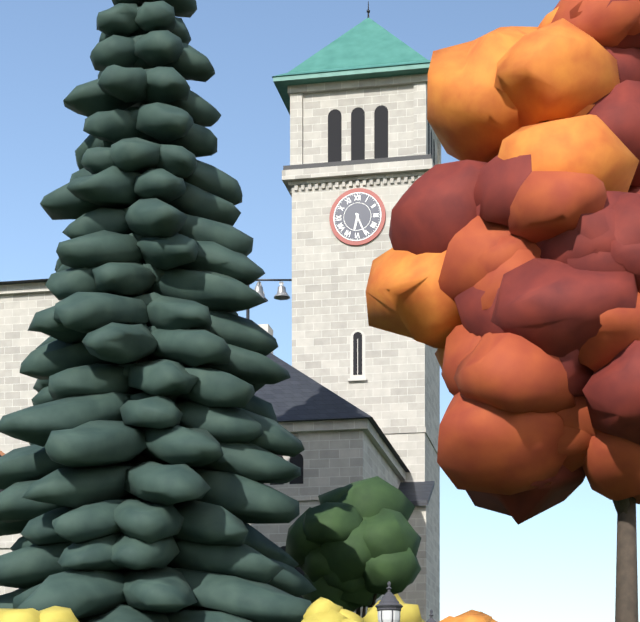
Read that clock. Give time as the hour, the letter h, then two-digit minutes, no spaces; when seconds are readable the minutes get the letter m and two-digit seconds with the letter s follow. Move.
6h26
